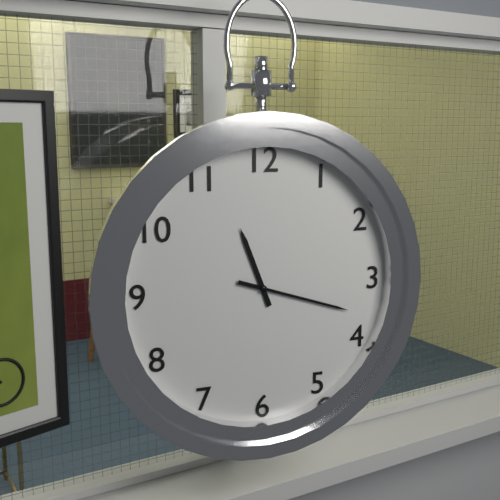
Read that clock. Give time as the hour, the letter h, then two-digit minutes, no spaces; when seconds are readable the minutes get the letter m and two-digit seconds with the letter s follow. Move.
11h18
